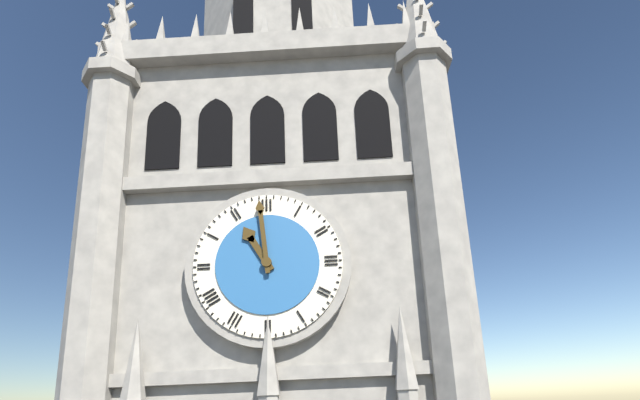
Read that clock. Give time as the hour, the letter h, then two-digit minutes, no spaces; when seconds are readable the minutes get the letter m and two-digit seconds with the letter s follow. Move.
10h59
